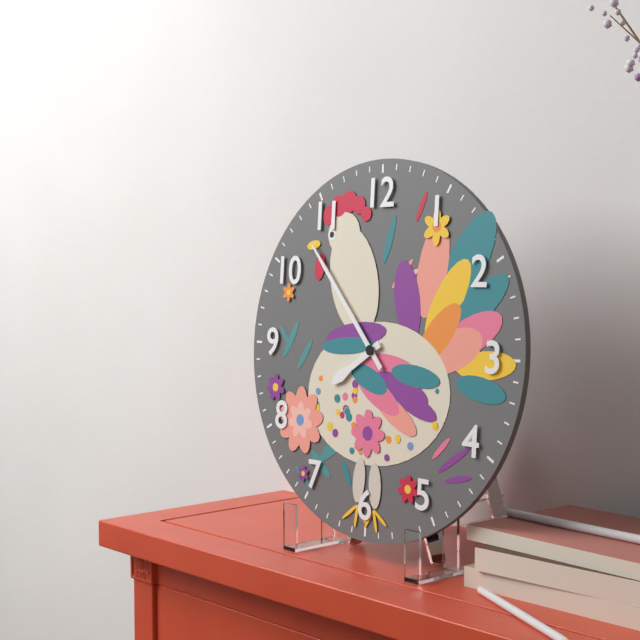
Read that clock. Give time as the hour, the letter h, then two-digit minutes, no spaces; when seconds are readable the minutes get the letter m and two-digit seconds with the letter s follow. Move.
7h53
